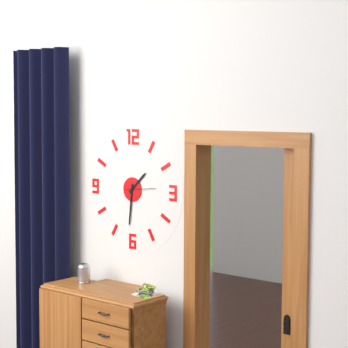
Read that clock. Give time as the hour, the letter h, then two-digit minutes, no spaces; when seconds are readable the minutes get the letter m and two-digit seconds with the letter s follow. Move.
1h31
